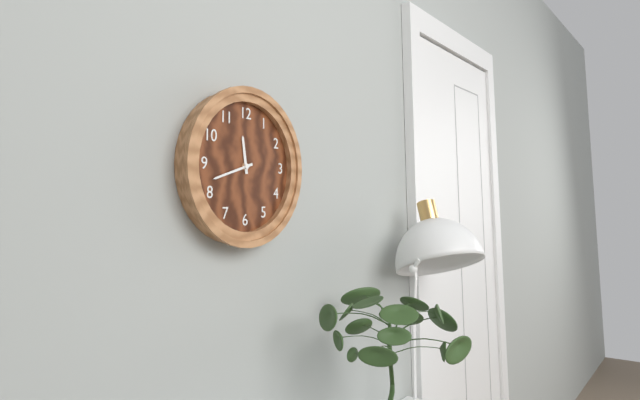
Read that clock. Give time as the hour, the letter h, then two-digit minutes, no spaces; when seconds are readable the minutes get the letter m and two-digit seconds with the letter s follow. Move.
11h42
